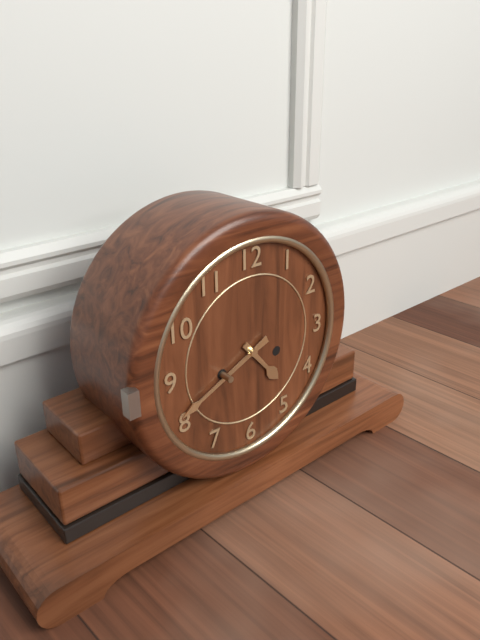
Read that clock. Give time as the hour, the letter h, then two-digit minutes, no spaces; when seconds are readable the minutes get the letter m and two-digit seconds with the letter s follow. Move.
4h41
